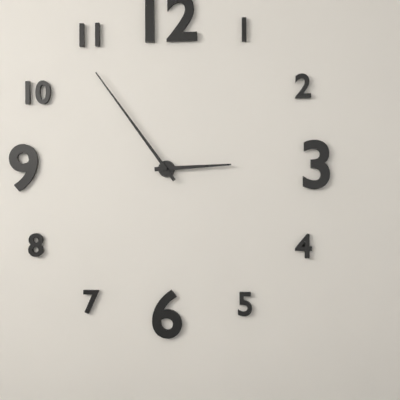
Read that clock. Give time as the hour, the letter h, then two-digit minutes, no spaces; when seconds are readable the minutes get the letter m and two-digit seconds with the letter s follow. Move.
2h54
